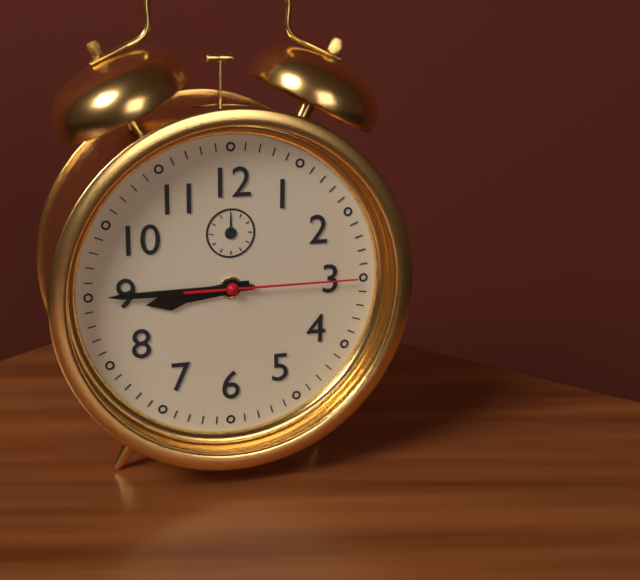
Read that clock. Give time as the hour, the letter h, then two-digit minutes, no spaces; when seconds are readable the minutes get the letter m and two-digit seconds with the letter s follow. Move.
8h45m15s
